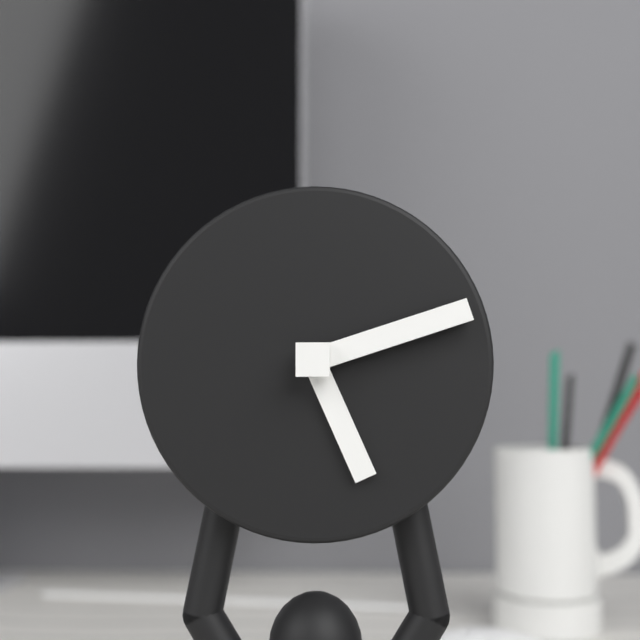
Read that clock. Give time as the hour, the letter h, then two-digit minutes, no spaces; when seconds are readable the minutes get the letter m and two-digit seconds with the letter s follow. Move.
5h12
